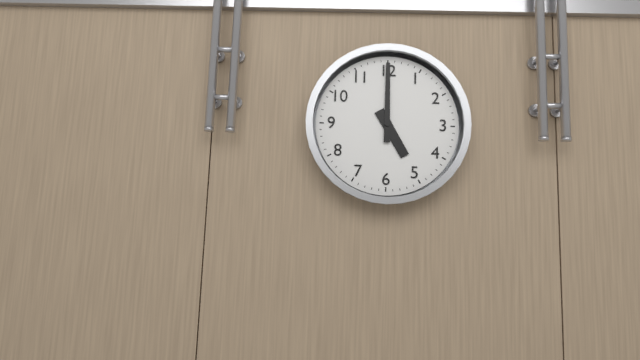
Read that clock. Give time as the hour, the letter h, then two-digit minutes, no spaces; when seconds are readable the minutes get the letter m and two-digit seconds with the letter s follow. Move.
5h00
